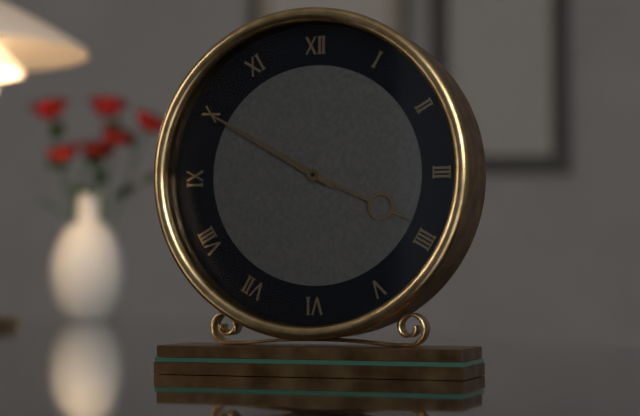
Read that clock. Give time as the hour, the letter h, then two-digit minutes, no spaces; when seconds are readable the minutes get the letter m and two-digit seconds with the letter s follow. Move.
3h50
